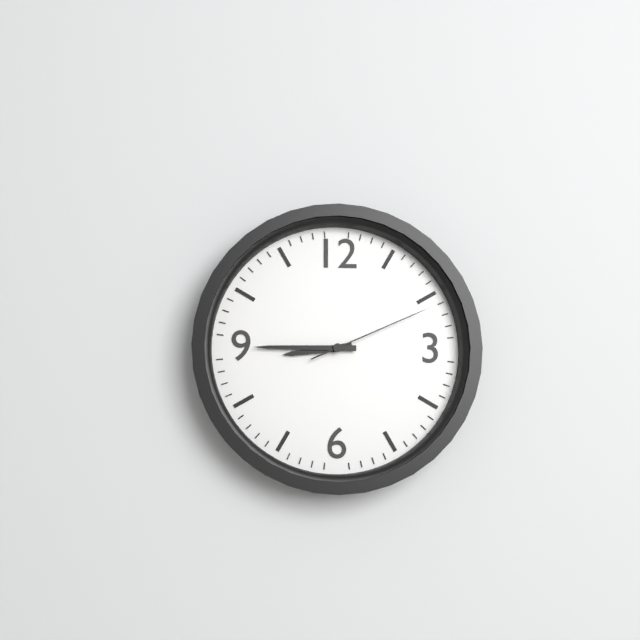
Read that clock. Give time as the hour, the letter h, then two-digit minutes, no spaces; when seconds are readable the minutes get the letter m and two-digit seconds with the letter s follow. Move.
8h45m11s
